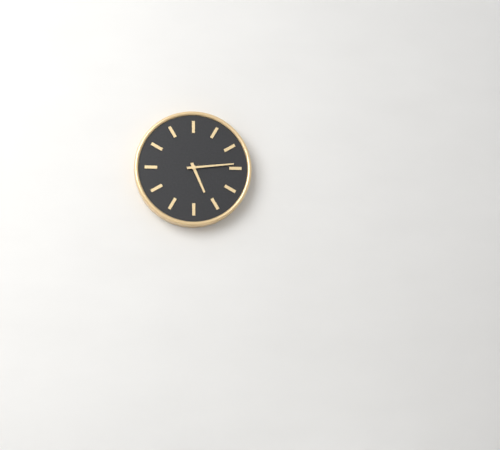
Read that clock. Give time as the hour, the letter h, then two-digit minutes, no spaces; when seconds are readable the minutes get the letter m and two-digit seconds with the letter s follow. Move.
5h14
